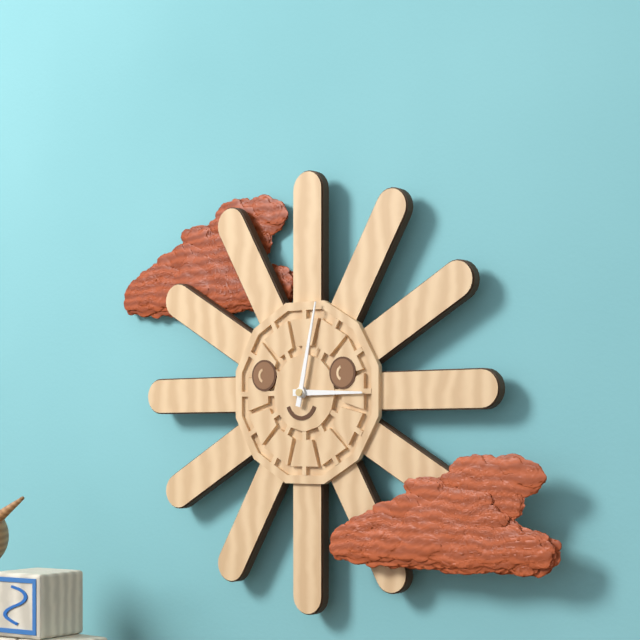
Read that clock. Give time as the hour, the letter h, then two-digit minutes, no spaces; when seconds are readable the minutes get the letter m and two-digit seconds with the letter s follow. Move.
3h02
